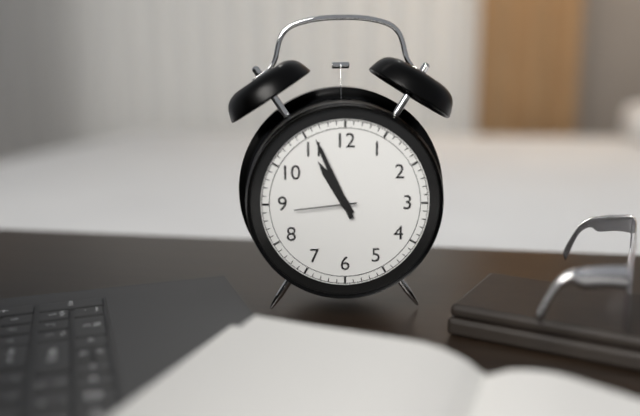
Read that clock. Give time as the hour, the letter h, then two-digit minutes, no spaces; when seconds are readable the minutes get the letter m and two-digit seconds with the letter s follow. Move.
10h56m44s
